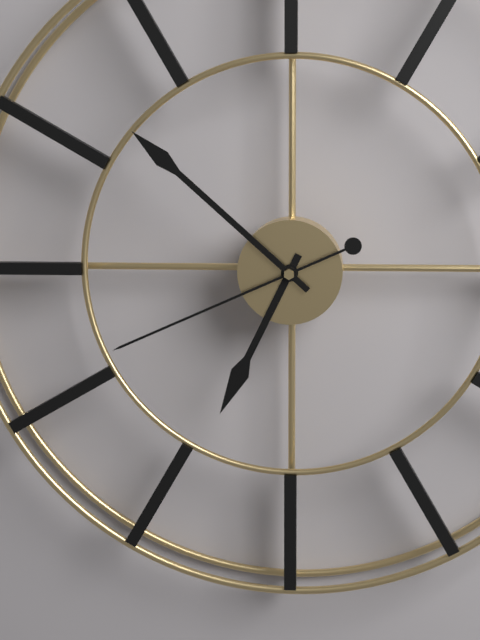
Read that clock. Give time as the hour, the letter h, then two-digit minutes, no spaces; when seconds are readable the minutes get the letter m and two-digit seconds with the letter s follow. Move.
6h52m41s
